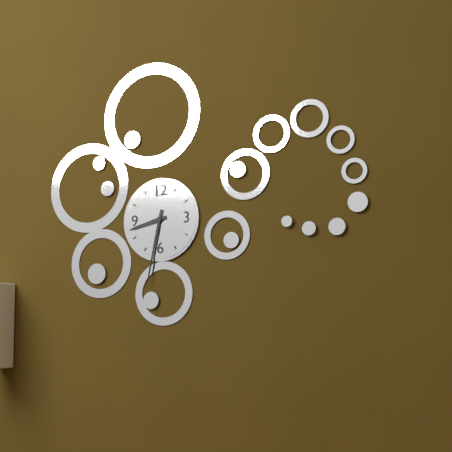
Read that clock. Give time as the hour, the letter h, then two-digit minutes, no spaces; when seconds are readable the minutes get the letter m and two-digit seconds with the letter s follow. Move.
8h32
